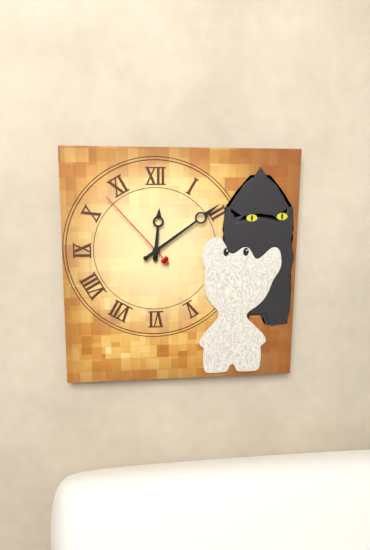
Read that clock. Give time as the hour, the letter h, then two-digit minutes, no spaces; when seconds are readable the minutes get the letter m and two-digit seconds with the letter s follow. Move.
12h09m53s
